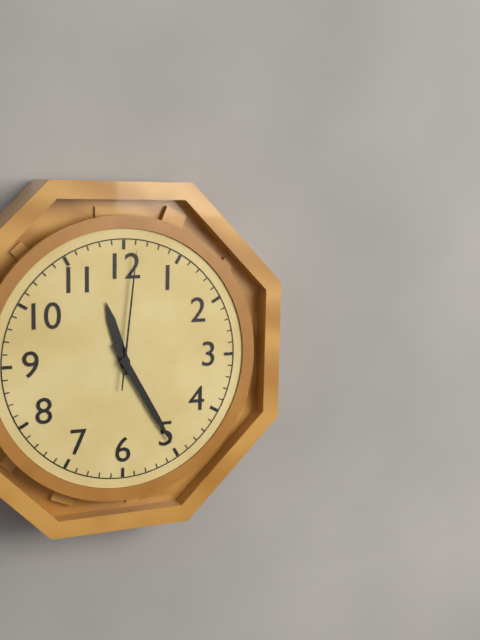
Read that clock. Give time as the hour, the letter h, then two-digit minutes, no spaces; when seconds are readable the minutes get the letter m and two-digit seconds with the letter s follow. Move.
11h25m01s
